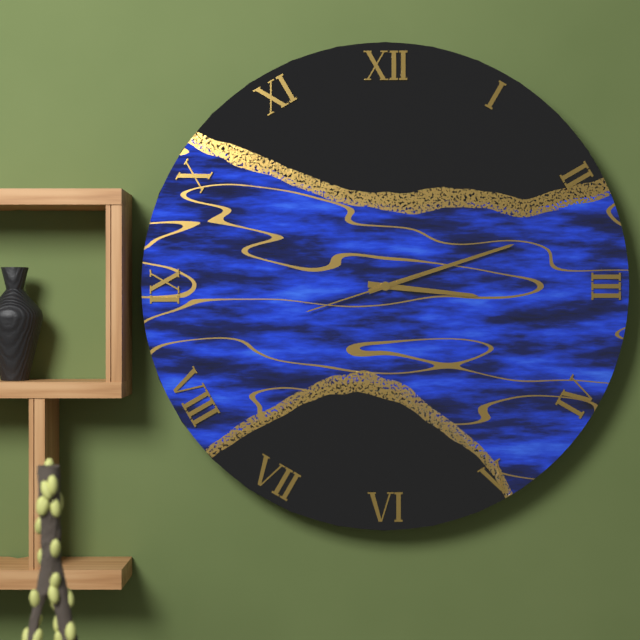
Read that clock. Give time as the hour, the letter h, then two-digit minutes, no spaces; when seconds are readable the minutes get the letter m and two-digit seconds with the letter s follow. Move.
3h12m42s
